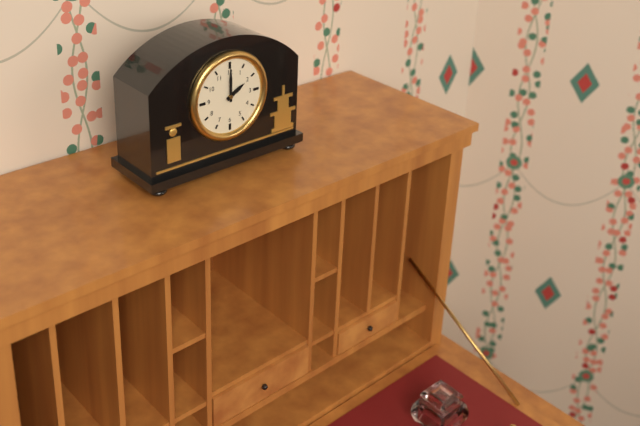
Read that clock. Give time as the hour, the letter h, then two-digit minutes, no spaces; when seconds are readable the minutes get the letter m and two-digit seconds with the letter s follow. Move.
2h00
